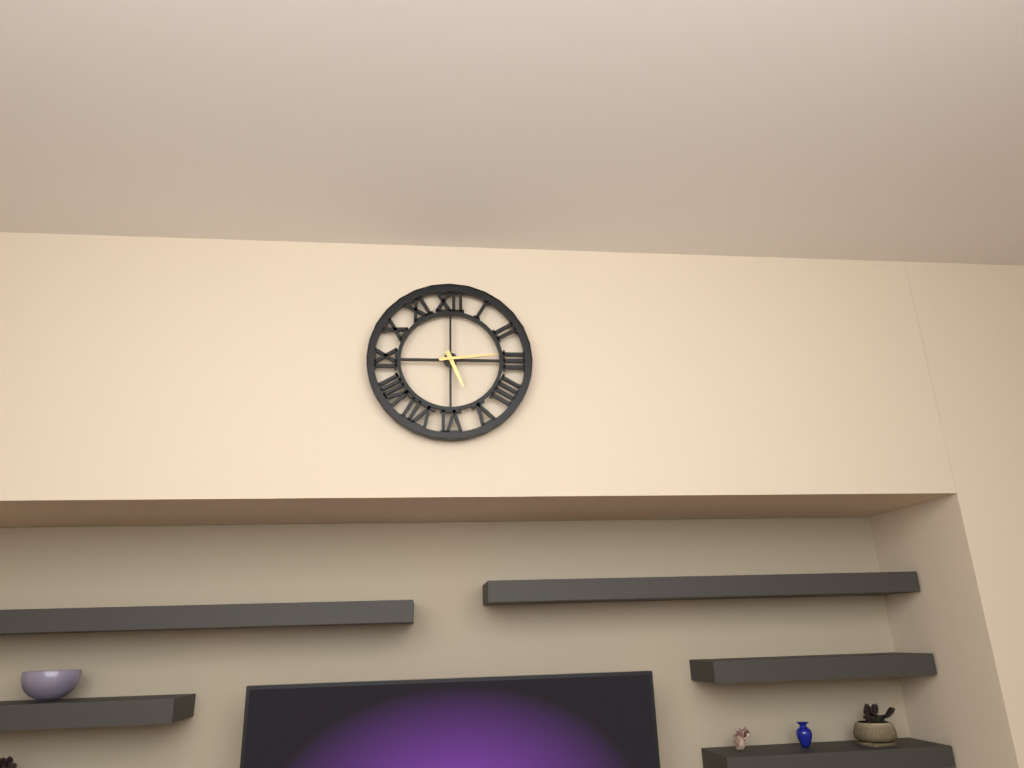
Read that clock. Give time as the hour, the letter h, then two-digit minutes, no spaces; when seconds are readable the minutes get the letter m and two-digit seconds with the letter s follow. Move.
5h14
